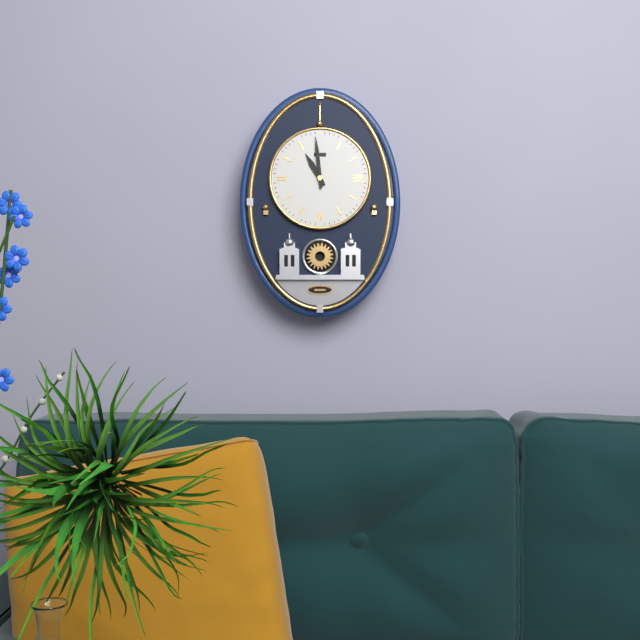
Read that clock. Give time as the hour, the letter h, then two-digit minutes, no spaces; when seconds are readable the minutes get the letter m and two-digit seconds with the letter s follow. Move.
10h59
